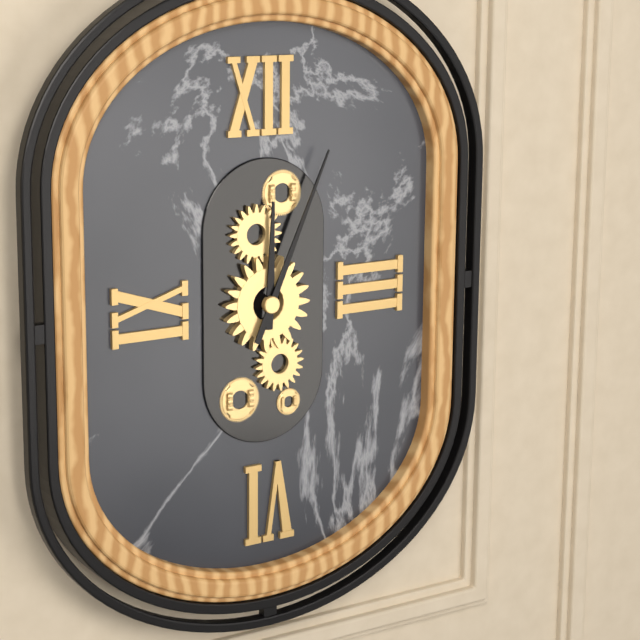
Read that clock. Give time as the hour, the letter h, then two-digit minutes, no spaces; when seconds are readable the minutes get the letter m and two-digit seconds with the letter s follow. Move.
12h04
